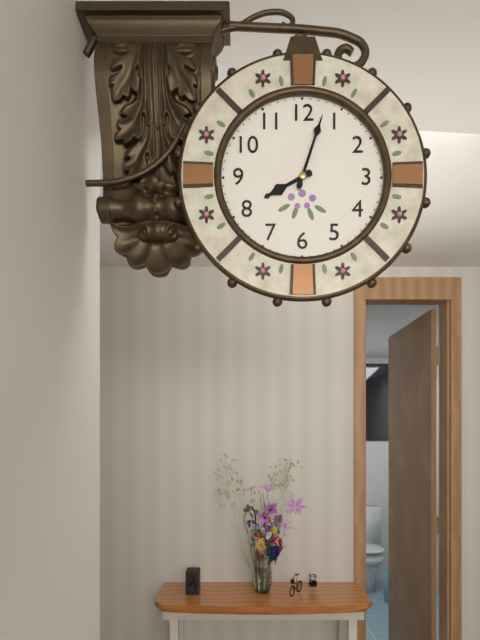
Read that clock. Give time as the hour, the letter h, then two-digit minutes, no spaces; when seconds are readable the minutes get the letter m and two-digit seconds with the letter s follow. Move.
8h03
